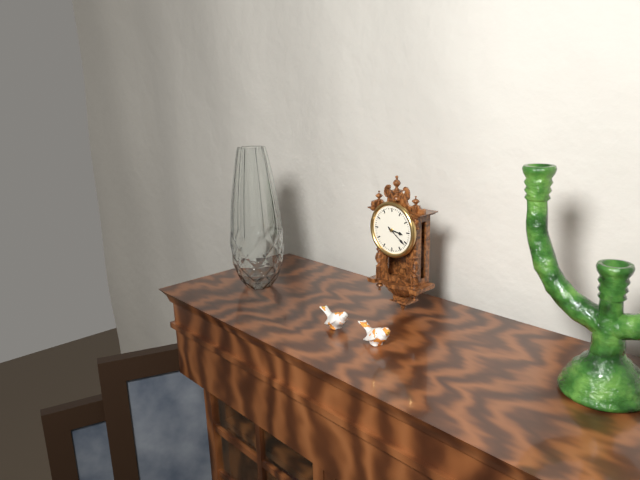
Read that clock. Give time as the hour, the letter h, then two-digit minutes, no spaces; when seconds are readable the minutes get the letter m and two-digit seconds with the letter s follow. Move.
3h21
